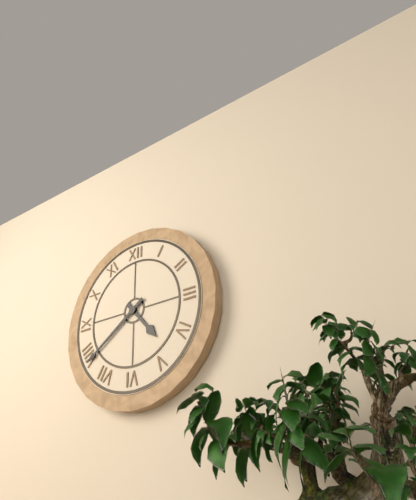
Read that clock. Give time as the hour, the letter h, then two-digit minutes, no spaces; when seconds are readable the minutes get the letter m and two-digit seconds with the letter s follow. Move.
4h39
